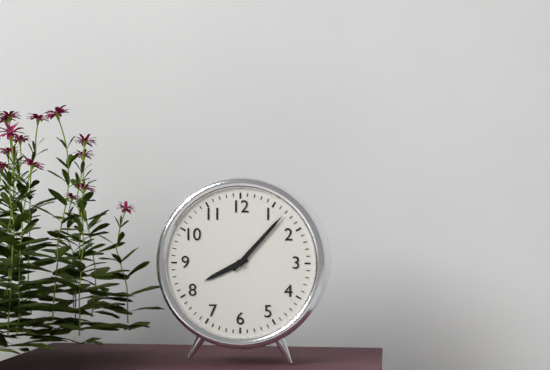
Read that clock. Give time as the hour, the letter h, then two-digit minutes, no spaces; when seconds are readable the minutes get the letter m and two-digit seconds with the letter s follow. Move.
8h07
